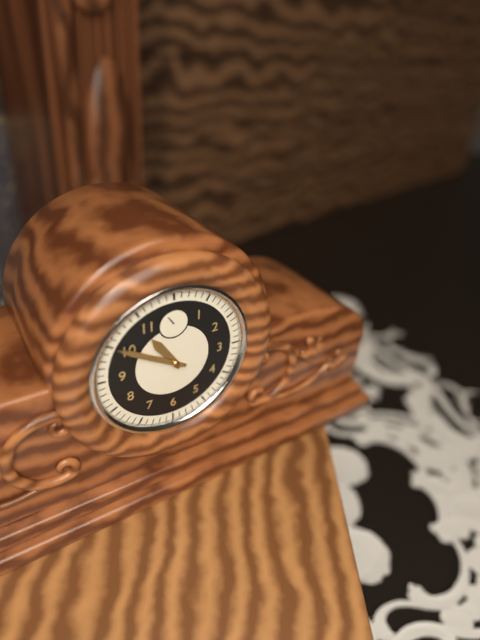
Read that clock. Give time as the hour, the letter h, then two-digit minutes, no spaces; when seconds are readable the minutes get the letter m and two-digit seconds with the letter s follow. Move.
10h50
